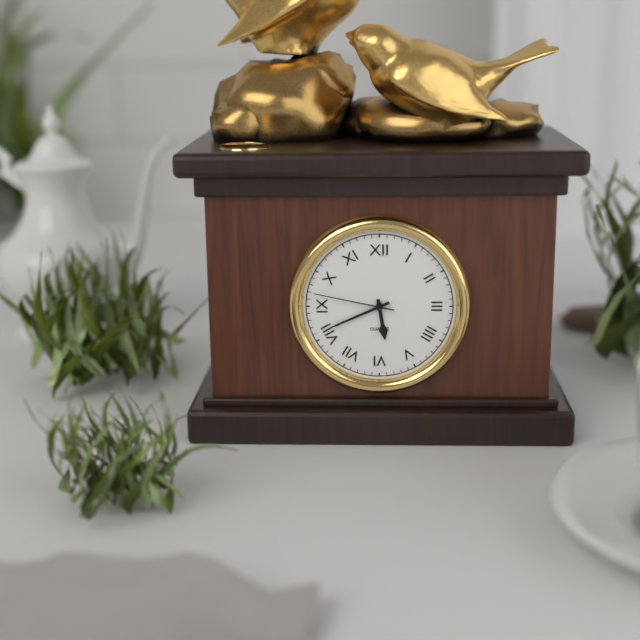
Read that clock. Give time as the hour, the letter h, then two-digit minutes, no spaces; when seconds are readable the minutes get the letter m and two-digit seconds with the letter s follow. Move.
5h41m47s
